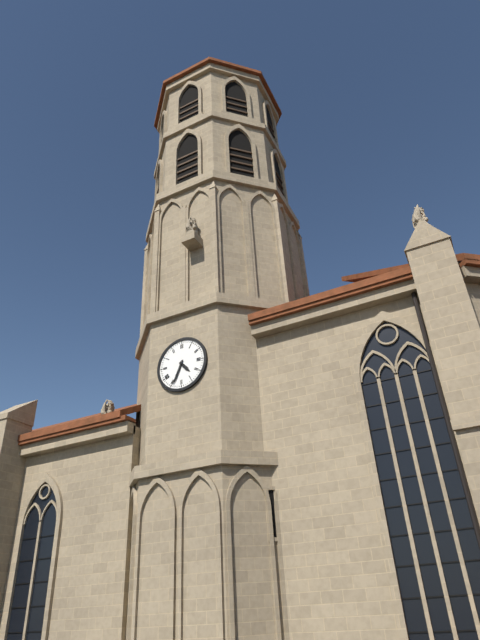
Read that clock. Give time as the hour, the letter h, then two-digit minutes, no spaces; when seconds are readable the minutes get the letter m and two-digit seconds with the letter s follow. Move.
4h34
